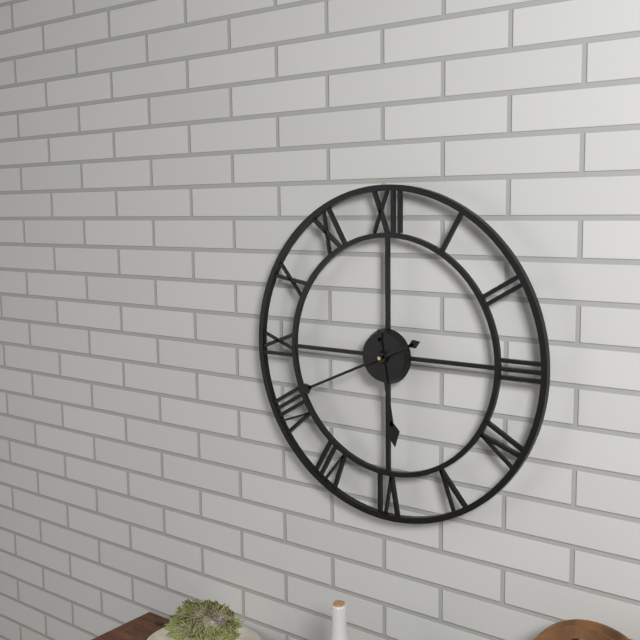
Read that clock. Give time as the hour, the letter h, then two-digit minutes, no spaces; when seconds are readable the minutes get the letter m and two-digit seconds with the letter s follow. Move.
5h41
